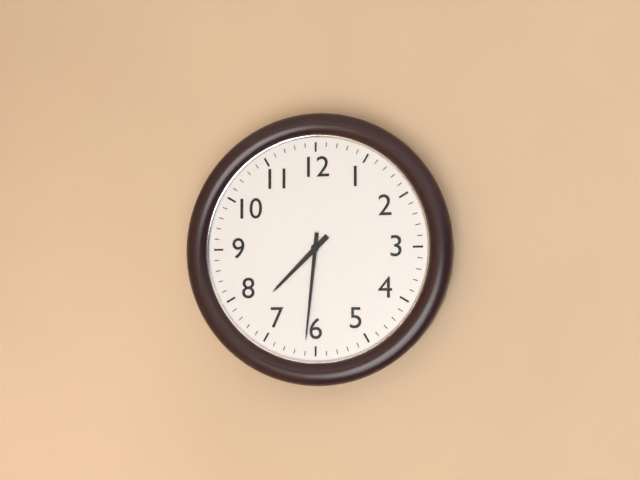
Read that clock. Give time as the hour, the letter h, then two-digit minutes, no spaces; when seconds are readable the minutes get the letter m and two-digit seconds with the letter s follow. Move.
7h31
